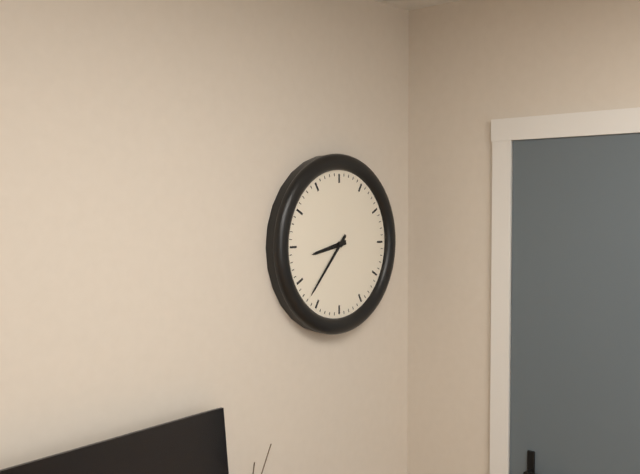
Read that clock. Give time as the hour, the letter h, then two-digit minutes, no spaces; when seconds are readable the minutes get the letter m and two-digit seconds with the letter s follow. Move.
8h37
